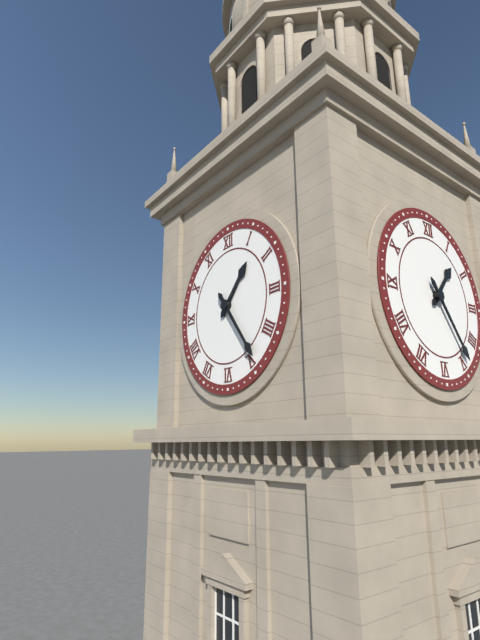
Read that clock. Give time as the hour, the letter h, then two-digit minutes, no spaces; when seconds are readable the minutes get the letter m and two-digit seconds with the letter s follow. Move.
1h24
